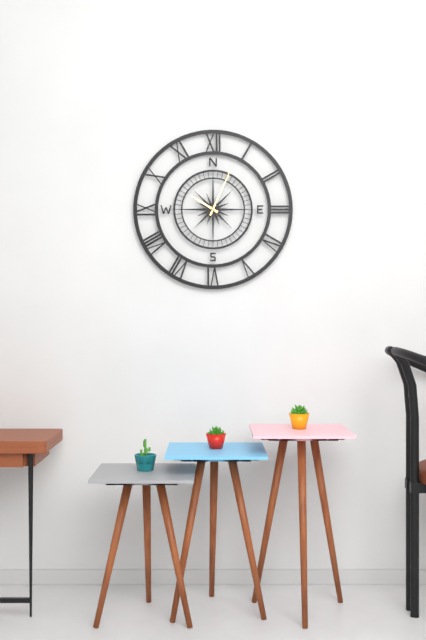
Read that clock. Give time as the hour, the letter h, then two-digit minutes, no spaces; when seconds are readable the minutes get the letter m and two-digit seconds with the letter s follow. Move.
10h04
